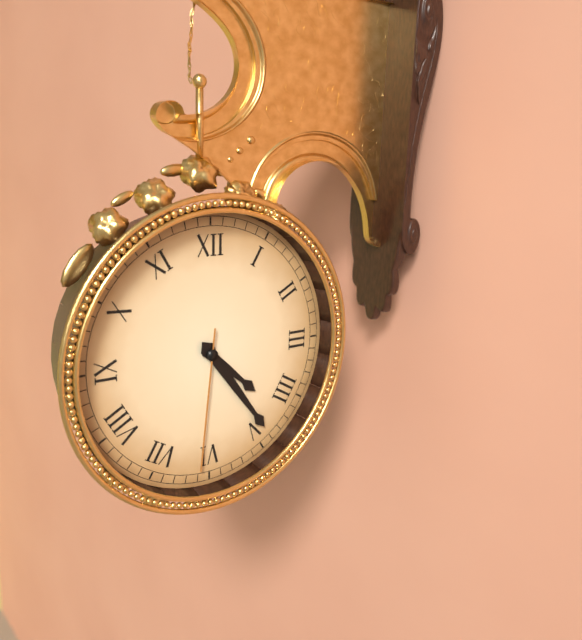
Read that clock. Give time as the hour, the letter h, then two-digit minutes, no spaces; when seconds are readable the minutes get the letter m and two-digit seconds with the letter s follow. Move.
4h24m31s
